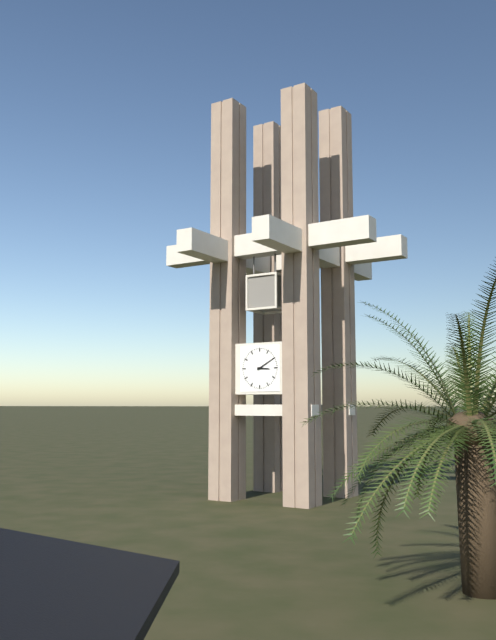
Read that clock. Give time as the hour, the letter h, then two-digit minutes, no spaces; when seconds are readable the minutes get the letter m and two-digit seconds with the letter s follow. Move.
3h10
